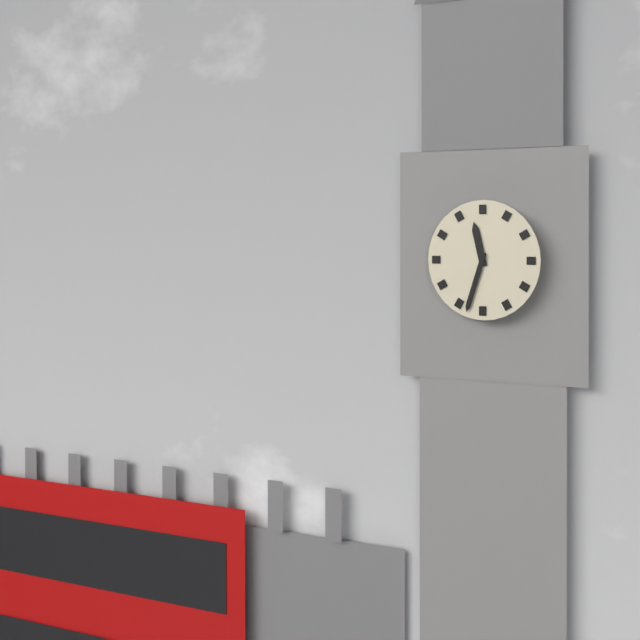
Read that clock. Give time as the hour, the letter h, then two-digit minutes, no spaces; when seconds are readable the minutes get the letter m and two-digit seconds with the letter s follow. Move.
11h33
